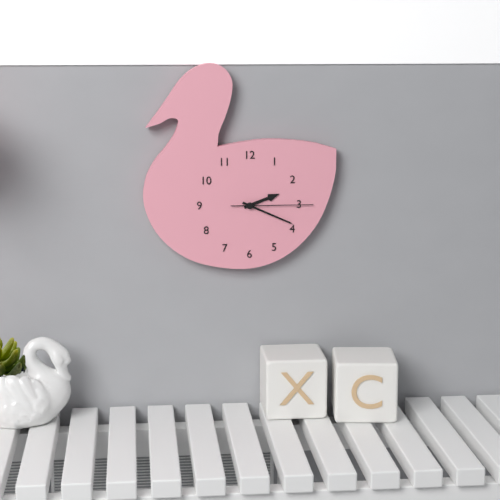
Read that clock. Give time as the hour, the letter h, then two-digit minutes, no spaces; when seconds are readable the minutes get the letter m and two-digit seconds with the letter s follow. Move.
2h19m15s
